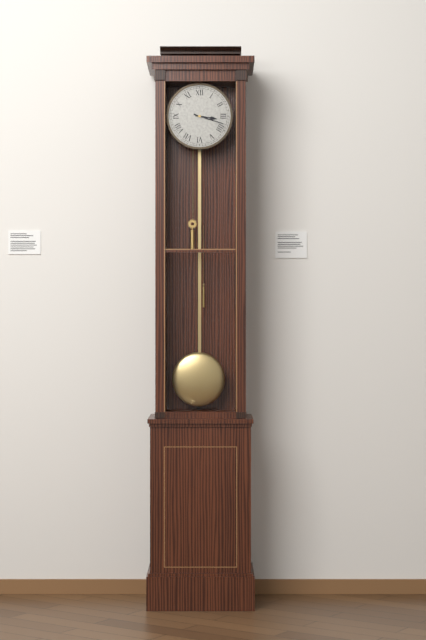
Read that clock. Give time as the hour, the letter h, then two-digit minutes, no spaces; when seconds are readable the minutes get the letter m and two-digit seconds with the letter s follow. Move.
3h18
